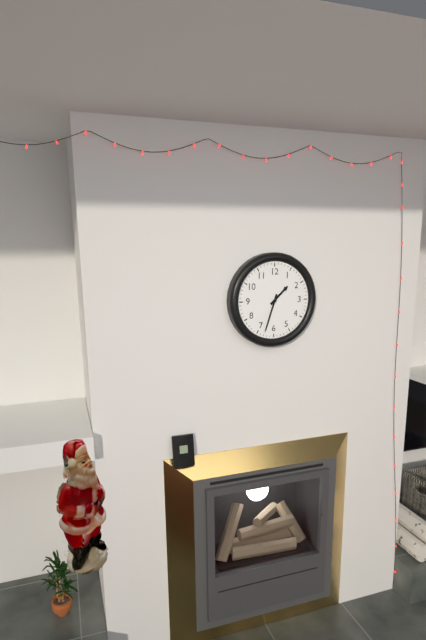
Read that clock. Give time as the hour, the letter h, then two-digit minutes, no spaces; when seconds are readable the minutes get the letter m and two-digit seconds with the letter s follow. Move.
1h33
